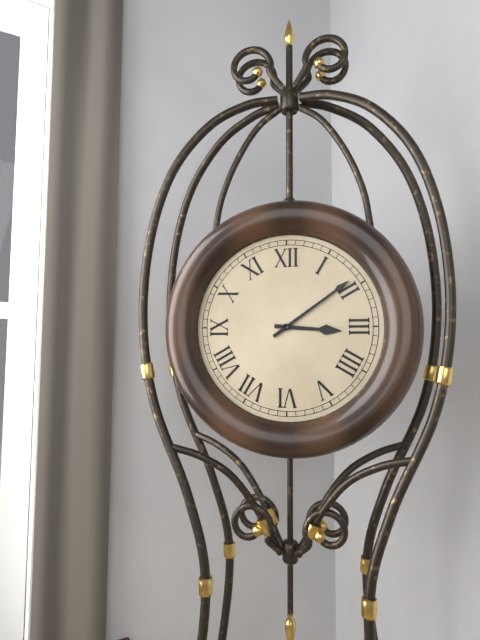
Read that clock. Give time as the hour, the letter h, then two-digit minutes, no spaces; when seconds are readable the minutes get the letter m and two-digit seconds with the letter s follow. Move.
3h09
